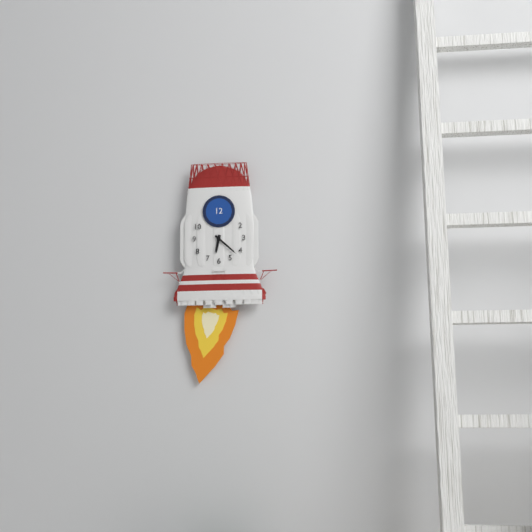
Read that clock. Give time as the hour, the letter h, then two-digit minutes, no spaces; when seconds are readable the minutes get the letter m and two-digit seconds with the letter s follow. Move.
6h22
